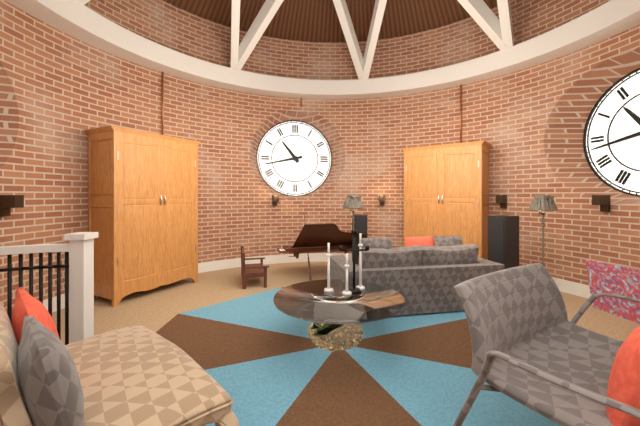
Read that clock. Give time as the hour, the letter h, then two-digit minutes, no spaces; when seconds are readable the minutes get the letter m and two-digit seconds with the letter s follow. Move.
10h43
